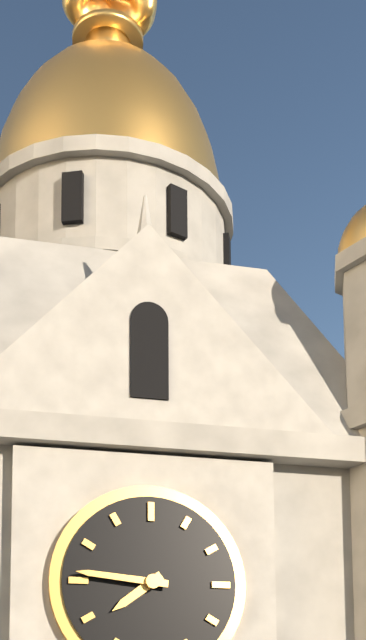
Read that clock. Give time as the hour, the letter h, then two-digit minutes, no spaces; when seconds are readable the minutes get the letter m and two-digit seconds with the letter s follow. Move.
7h46
